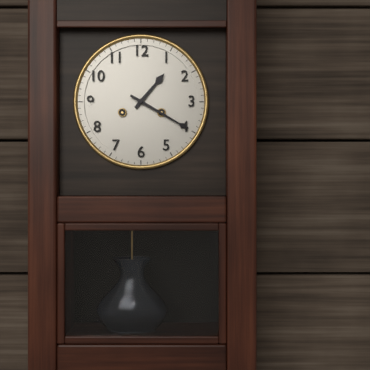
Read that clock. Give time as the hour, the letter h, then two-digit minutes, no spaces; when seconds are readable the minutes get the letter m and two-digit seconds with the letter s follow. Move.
1h20
